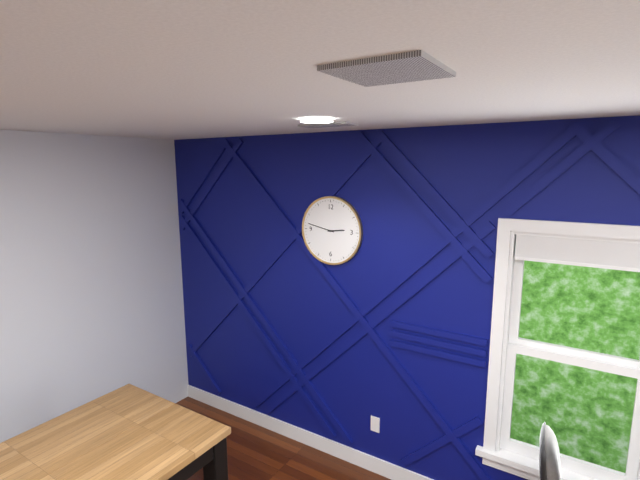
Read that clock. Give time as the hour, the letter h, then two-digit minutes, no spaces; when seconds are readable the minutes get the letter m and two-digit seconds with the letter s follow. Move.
2h47
